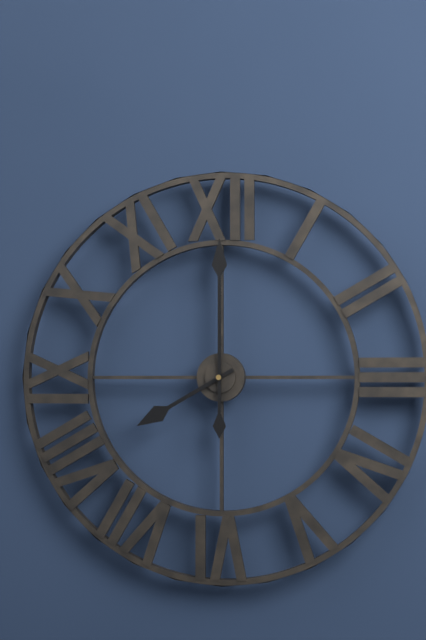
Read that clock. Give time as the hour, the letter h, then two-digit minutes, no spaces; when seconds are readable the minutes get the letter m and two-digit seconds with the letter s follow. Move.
8h00
